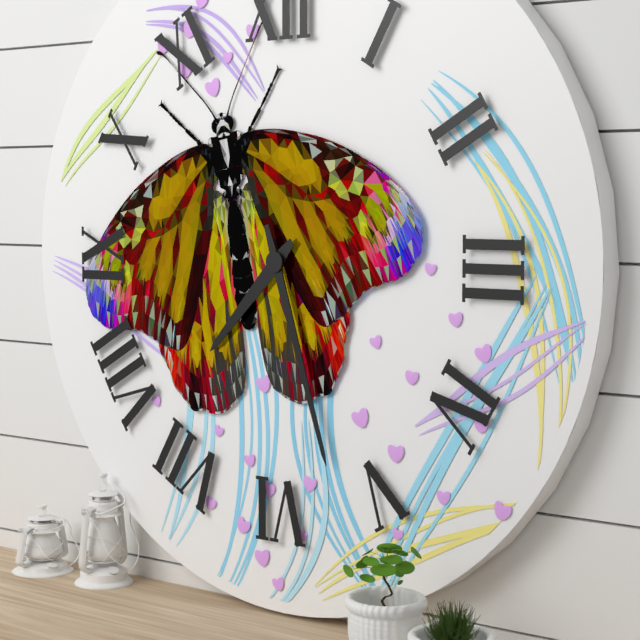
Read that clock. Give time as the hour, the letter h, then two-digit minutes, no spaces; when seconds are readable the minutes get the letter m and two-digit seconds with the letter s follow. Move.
7h27
